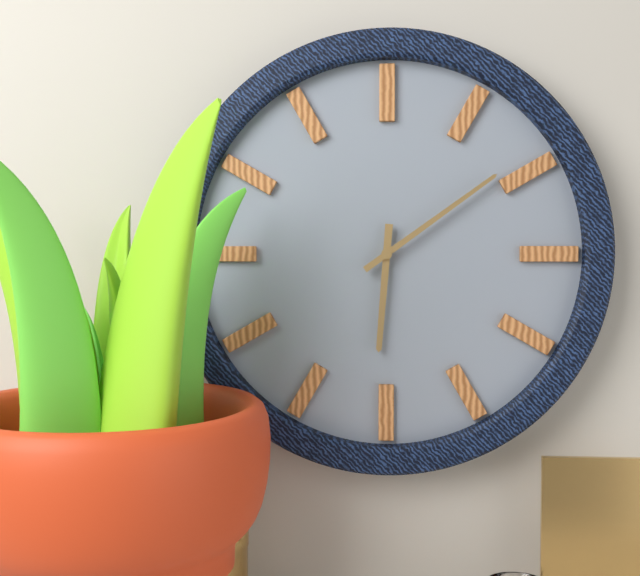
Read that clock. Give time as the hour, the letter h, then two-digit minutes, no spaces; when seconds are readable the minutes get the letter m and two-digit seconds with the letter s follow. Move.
6h09
